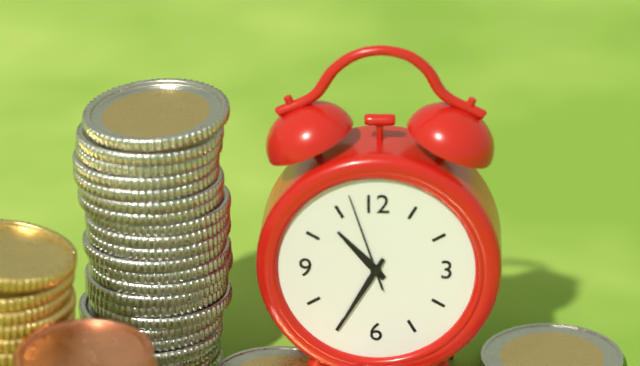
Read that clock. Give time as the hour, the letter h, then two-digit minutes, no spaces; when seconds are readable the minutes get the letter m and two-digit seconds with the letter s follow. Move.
10h35m57s
